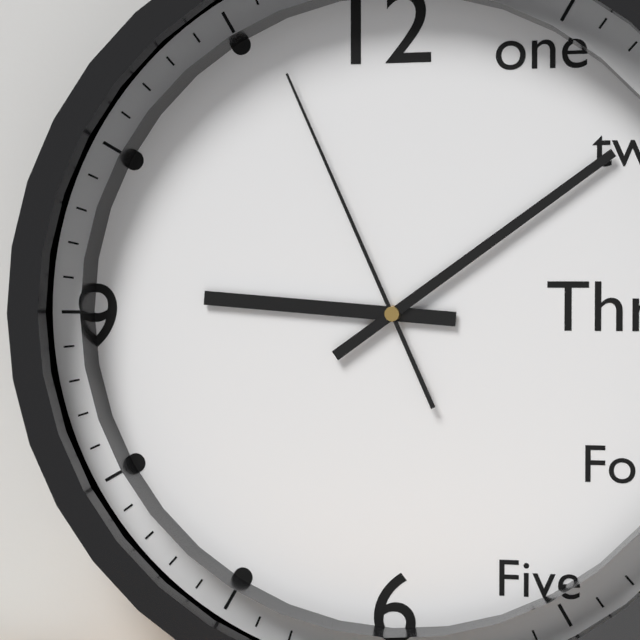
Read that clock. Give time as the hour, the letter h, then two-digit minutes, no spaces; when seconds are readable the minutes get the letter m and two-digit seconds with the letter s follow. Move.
9h09m56s
